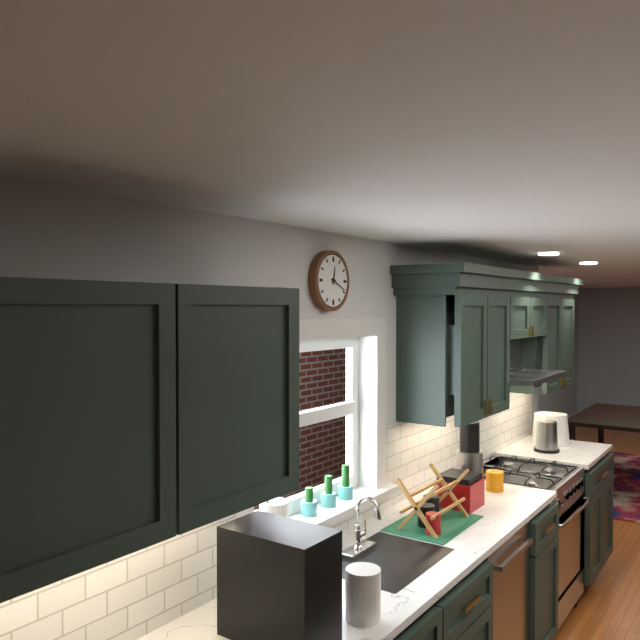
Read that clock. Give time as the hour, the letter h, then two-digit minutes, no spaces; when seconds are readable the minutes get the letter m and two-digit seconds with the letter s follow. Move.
12h19
